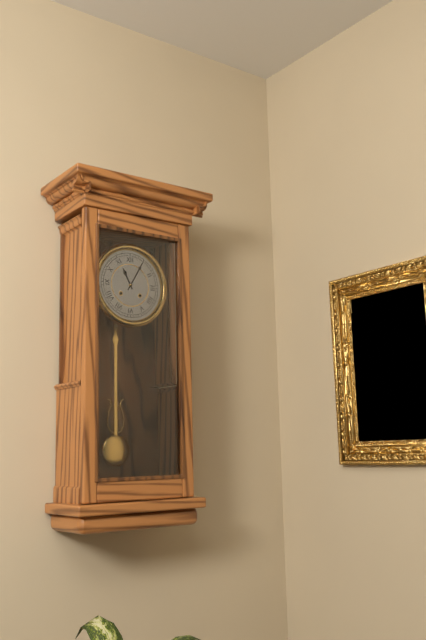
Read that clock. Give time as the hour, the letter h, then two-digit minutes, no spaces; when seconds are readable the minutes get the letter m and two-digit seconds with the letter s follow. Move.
11h05
